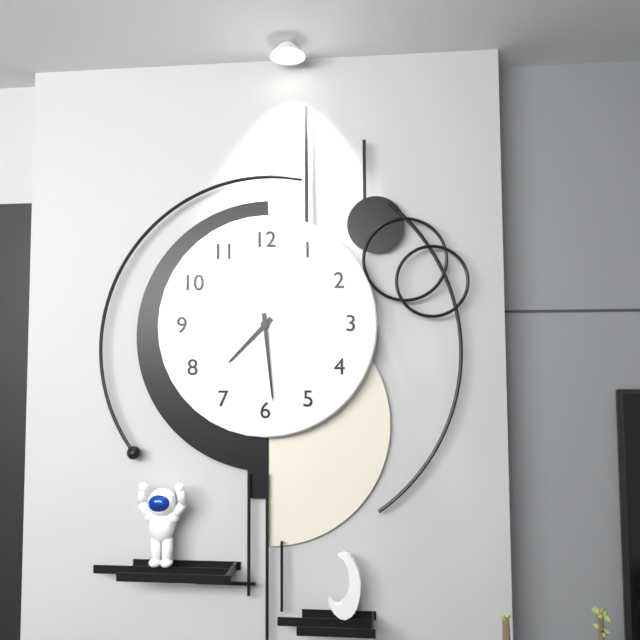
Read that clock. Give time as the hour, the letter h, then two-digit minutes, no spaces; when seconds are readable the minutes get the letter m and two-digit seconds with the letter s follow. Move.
7h29
